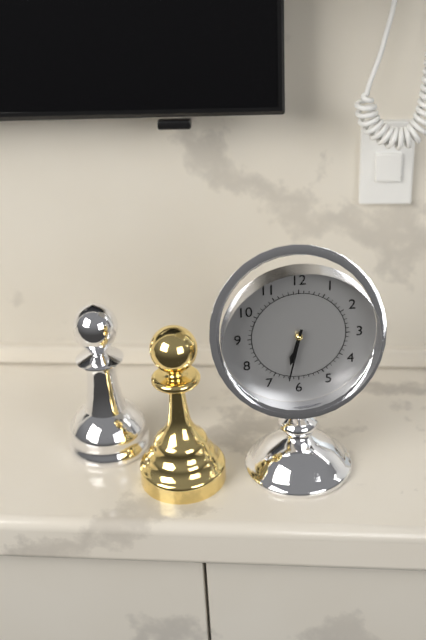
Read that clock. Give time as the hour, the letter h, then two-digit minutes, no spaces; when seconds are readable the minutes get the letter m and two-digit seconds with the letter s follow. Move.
6h32
